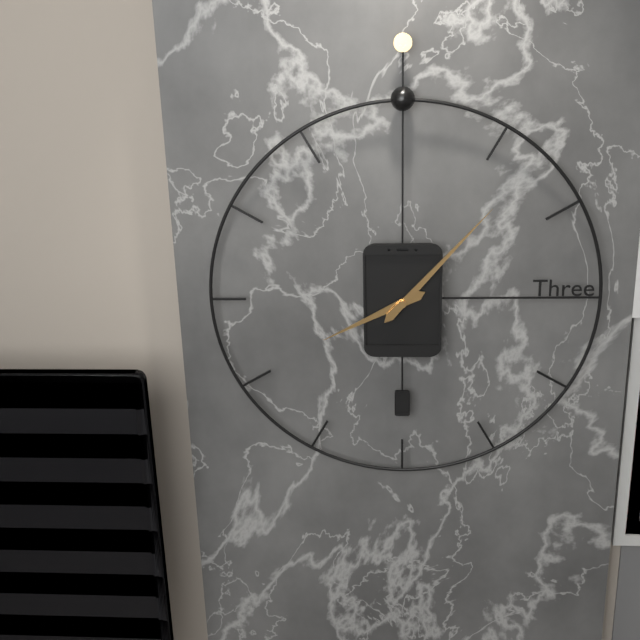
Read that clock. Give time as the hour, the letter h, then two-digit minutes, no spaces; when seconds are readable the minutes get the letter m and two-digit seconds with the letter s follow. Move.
8h07
